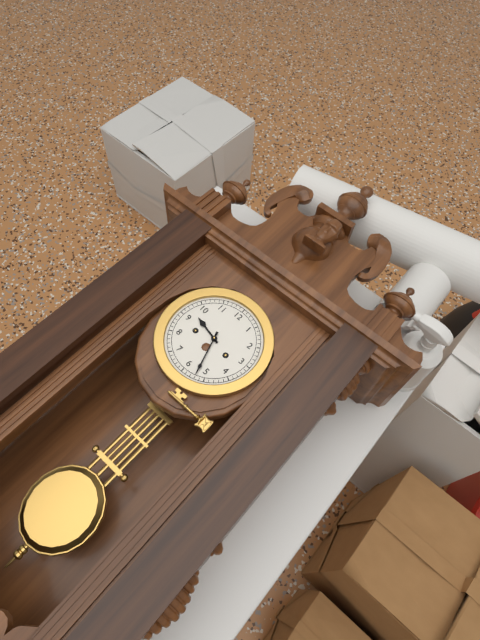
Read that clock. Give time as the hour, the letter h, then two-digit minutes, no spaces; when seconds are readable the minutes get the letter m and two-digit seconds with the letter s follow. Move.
9h27
